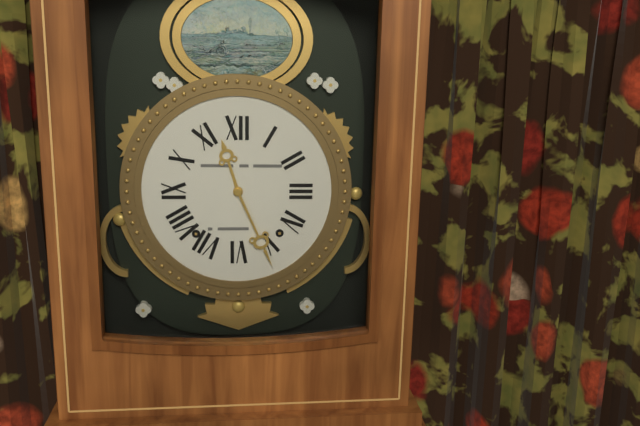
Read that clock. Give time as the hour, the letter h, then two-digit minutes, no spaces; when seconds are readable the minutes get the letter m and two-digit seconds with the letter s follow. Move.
11h26
